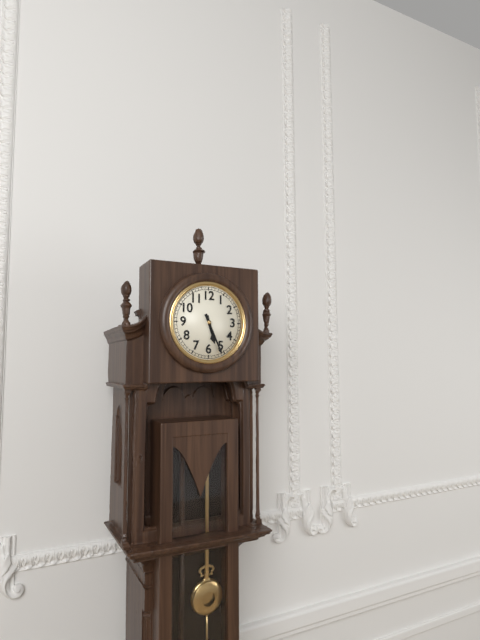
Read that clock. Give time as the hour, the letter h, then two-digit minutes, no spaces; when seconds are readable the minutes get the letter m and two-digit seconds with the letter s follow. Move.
5h26
